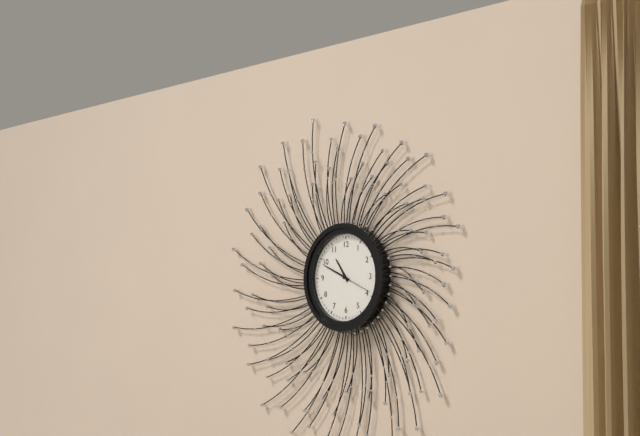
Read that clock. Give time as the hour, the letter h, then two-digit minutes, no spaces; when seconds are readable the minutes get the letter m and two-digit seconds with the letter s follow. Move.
10h49
